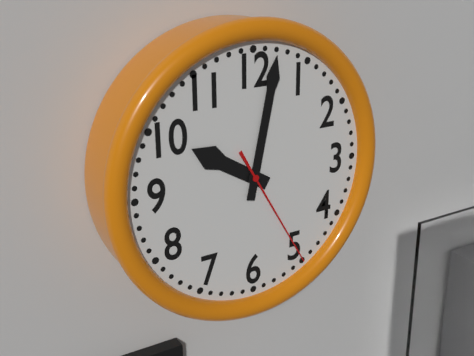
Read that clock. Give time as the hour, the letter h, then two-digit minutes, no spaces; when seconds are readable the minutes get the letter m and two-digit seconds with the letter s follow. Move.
10h02m25s
